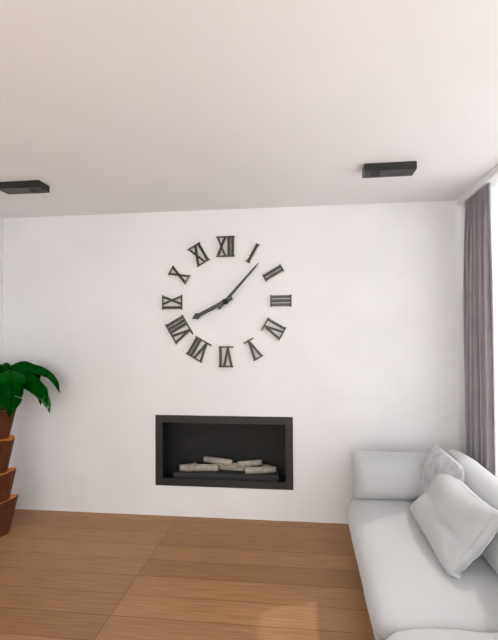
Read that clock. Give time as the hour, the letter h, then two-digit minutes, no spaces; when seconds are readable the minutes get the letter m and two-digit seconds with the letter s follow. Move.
8h07
